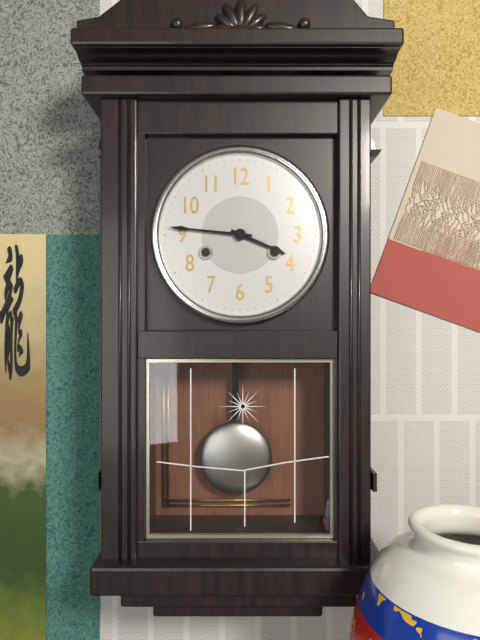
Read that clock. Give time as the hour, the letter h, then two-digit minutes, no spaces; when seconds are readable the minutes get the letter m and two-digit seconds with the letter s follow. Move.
3h46
